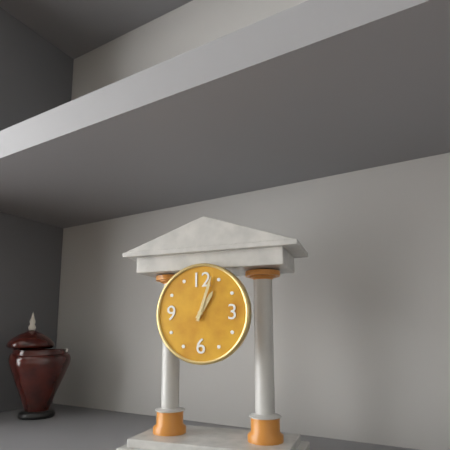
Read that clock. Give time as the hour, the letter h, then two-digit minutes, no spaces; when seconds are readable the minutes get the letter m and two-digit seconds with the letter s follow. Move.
1h03
